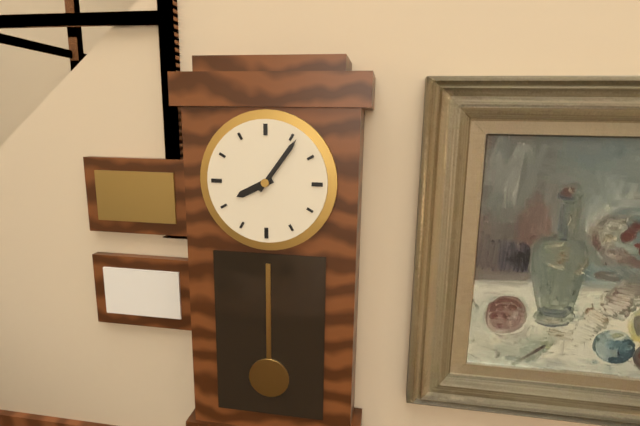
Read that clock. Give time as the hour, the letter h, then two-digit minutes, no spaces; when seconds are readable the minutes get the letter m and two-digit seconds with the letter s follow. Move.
8h06
